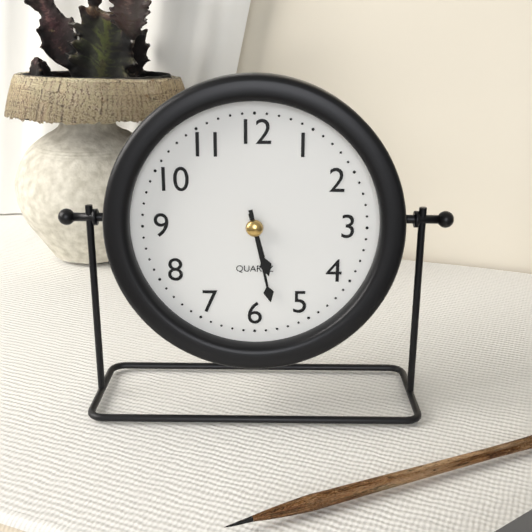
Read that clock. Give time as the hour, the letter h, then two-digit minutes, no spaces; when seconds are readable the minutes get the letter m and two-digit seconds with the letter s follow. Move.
5h28
